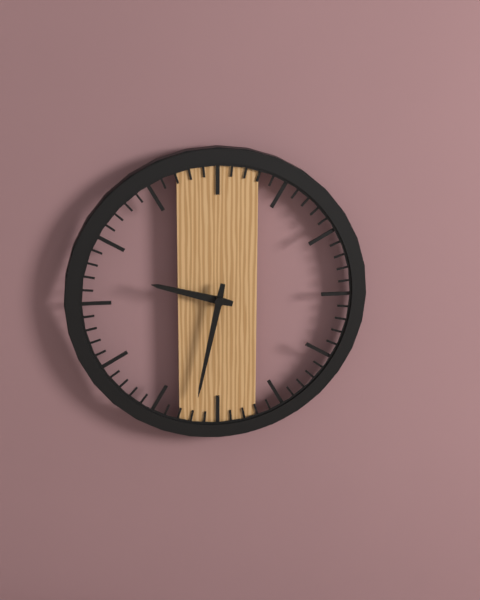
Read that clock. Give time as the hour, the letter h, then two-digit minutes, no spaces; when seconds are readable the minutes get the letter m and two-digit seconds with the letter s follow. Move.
9h32
